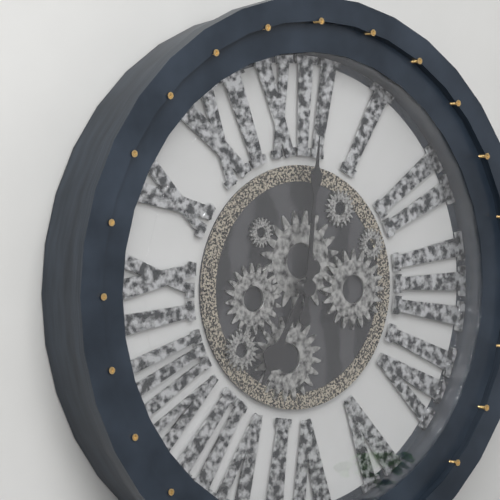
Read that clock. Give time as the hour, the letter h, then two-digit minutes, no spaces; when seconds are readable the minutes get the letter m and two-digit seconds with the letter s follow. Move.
7h01
